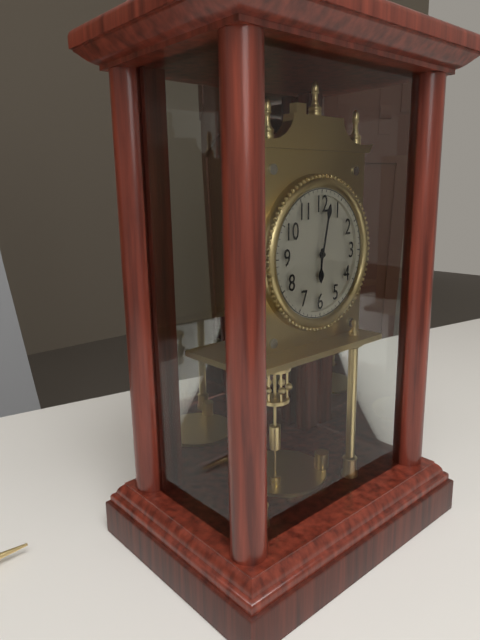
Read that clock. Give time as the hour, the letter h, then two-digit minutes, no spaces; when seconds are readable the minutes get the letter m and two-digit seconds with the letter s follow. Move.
6h02
